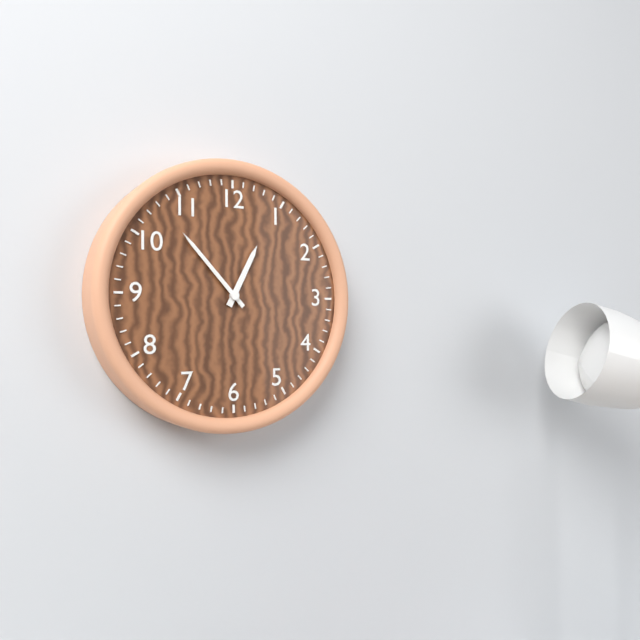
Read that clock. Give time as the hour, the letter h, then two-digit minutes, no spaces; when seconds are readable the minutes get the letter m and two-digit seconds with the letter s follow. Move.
12h53
